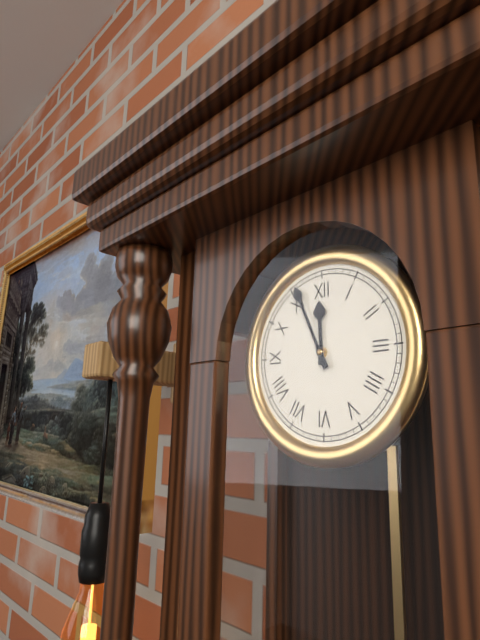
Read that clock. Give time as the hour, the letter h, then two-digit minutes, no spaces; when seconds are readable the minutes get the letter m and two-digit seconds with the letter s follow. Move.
11h56
